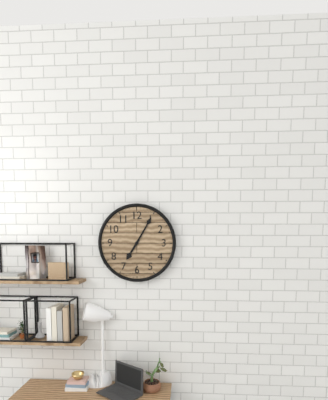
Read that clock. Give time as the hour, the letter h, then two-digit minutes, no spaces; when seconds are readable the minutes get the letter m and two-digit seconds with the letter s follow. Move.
7h05
